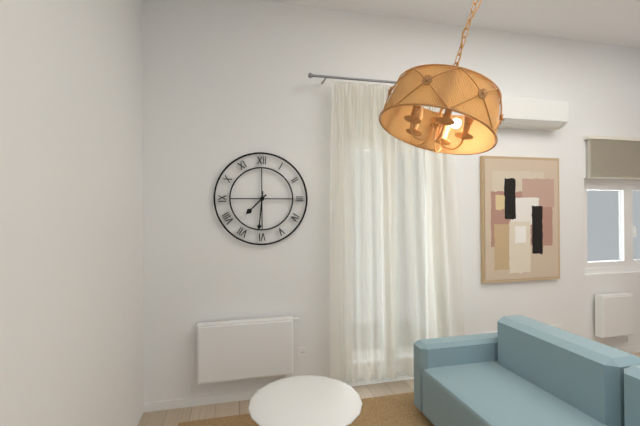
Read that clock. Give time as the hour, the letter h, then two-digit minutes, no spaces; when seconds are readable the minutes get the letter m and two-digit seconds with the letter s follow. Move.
7h31
